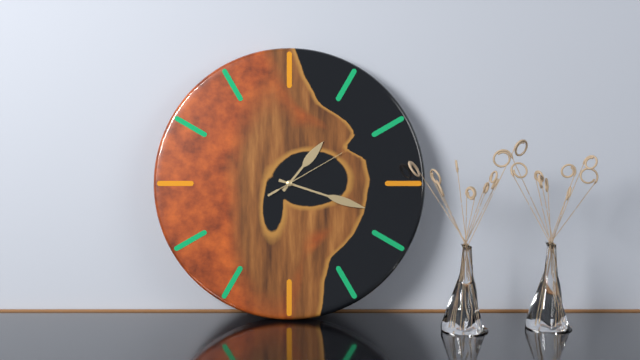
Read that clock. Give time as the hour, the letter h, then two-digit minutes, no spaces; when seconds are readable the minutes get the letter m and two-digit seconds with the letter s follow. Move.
1h18m10s
